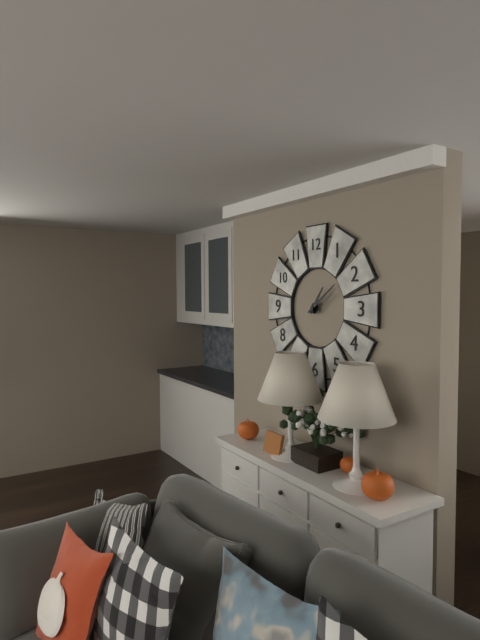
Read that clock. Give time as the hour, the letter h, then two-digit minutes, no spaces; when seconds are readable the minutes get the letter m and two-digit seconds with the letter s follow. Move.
1h09
